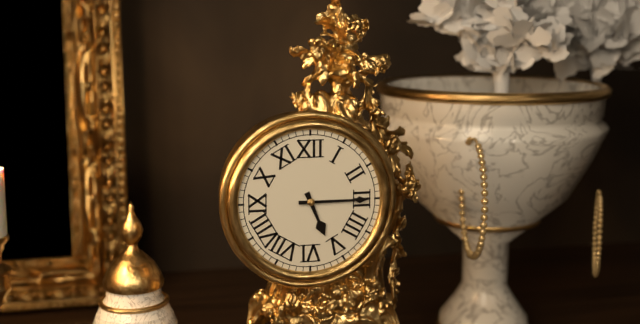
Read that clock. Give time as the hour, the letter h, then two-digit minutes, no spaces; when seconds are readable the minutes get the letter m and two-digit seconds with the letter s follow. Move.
5h15
